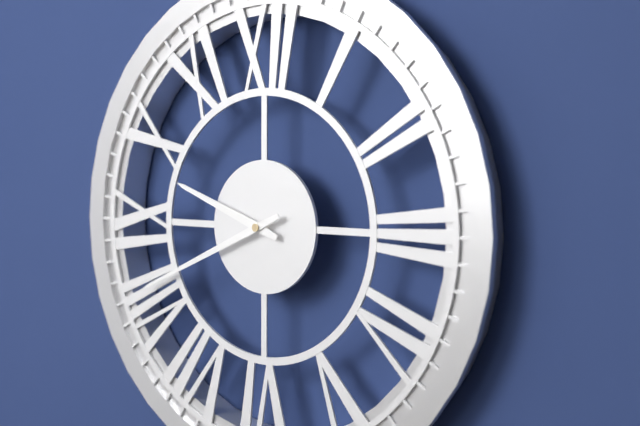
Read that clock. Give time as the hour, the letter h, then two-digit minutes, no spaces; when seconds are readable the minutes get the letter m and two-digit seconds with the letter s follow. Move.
9h41
